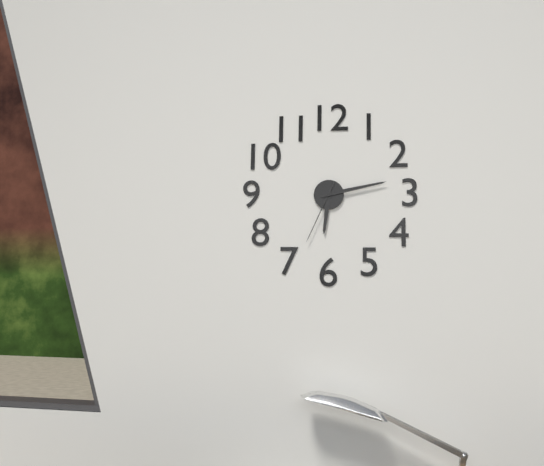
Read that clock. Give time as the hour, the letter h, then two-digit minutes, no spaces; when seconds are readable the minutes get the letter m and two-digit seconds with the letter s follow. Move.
6h13m34s
